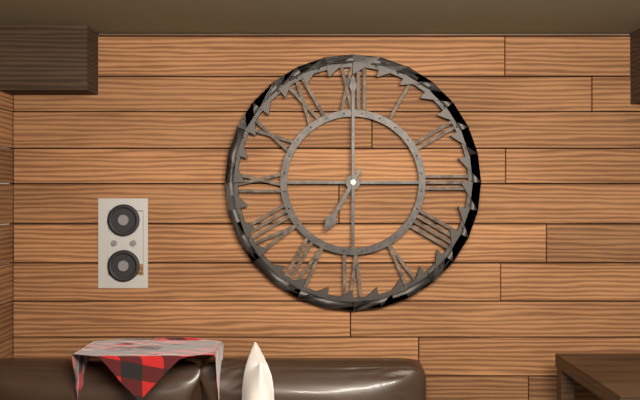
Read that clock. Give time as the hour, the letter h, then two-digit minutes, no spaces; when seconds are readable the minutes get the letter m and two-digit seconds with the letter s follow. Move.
7h00
